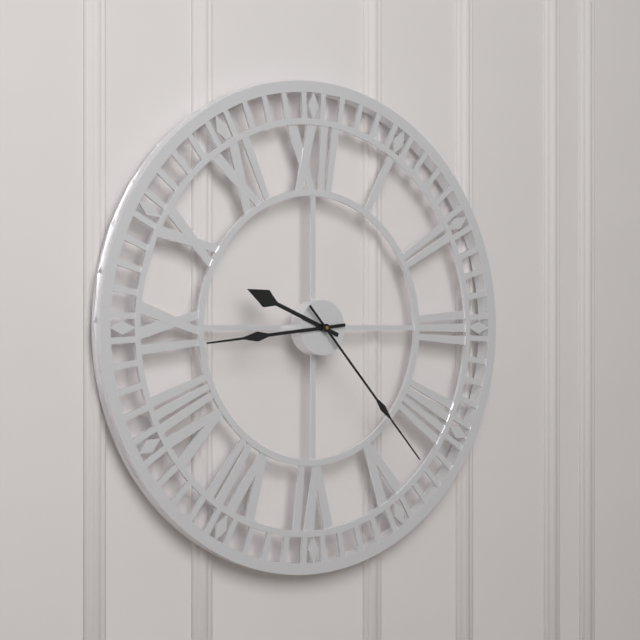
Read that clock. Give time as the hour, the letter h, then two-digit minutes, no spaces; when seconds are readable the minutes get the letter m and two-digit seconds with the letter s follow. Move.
9h44m23s
